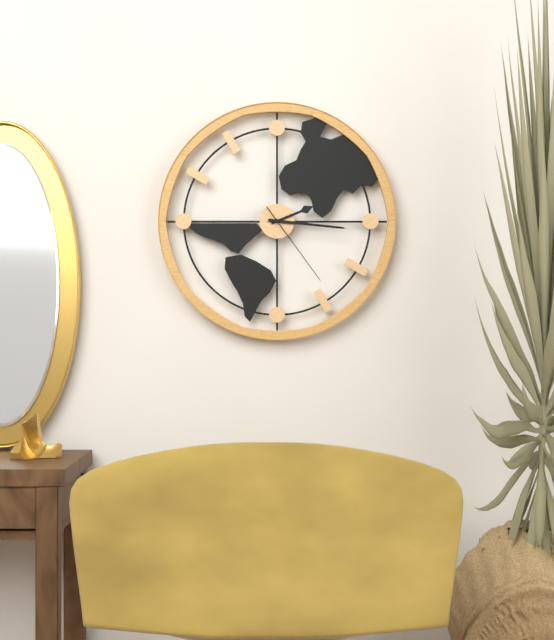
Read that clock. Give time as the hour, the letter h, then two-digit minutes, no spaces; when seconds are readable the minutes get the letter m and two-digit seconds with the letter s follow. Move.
2h16m24s
